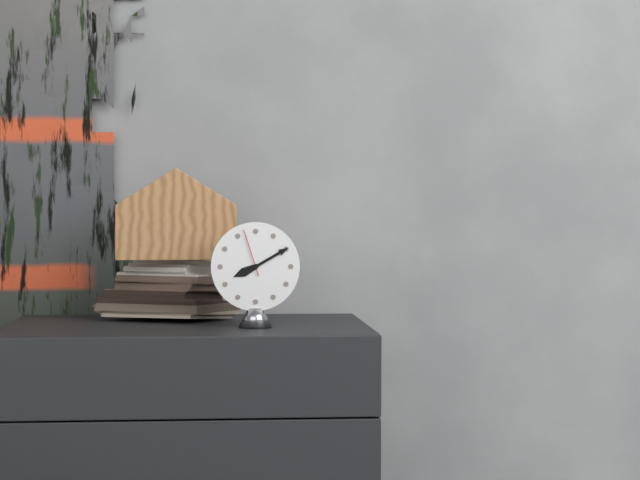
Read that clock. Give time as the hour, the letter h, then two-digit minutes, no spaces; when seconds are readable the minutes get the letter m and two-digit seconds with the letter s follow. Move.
8h10
